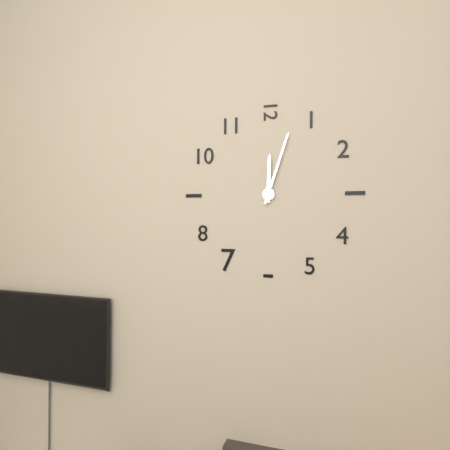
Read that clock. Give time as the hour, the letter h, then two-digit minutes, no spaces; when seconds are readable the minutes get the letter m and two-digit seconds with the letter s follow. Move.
12h03
